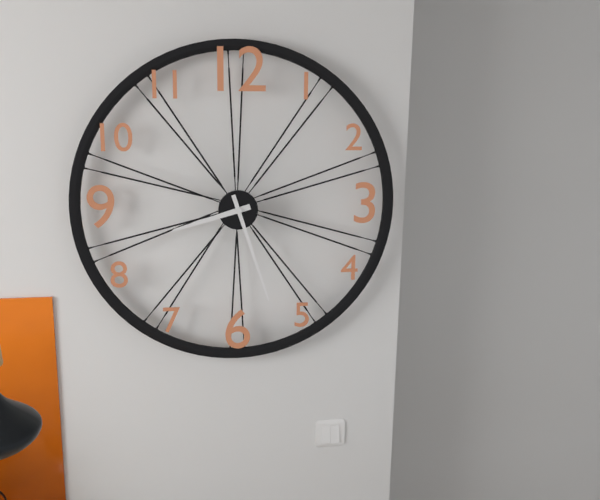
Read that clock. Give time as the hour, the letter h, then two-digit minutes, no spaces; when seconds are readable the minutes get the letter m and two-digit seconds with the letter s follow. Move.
8h27
